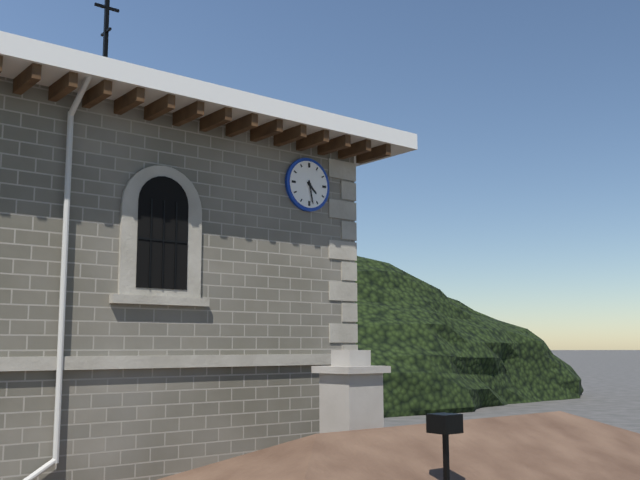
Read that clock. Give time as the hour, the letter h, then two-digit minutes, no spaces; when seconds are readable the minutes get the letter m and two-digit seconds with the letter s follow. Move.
4h28
